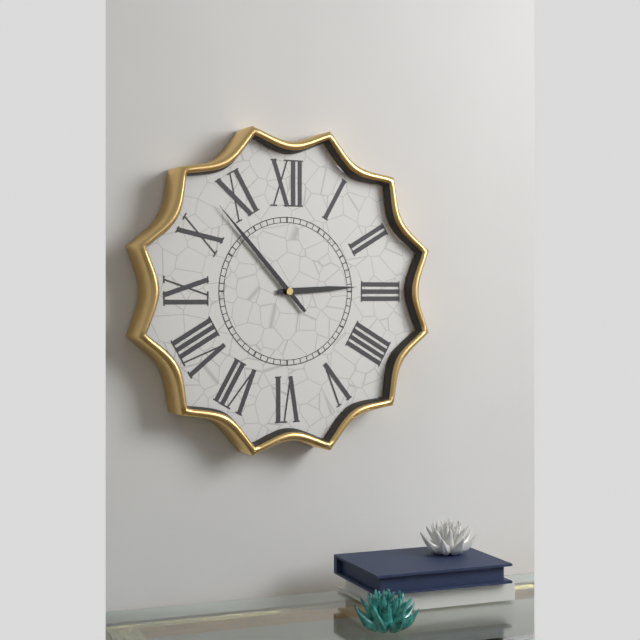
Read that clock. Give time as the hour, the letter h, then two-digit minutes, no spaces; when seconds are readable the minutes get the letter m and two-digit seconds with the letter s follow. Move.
2h53
